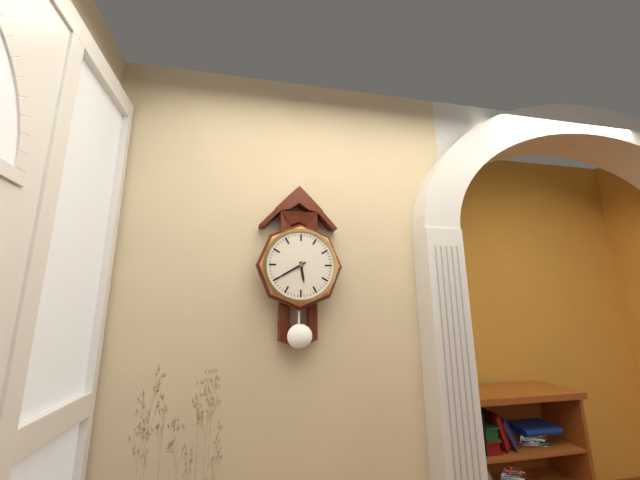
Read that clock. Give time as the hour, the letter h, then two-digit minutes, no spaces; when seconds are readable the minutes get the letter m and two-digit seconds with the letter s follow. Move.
5h40
